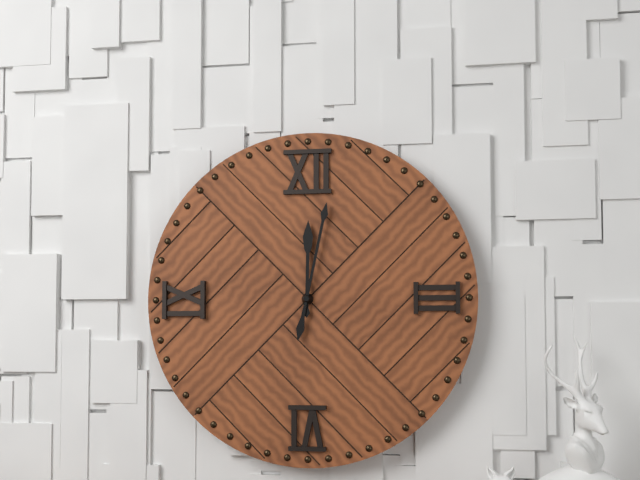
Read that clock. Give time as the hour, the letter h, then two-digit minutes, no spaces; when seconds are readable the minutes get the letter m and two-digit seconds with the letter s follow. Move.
12h02
